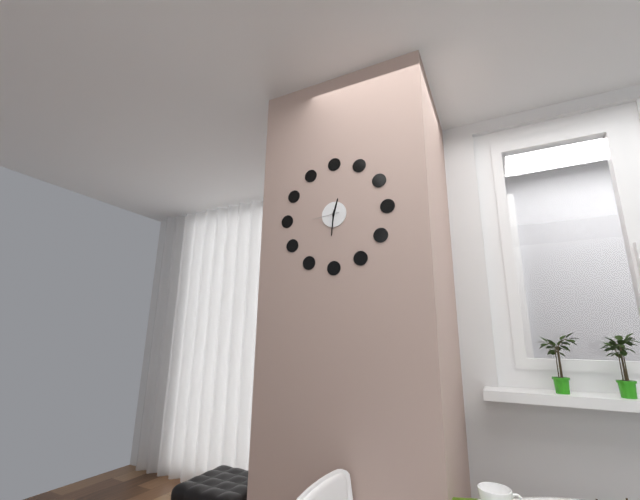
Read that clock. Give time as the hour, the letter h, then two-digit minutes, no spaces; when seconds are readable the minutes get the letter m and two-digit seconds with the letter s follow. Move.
12h31
